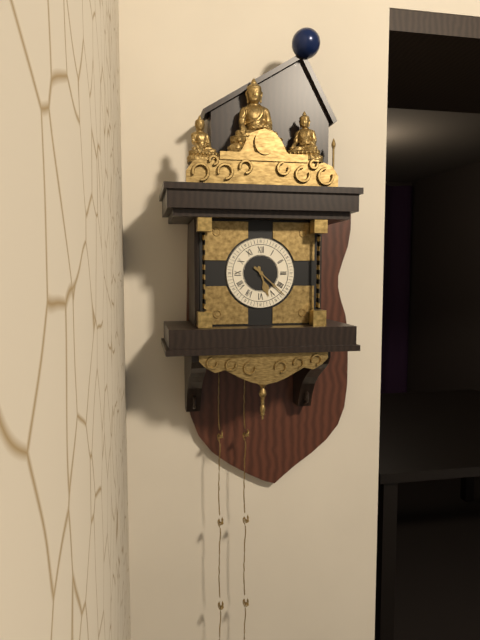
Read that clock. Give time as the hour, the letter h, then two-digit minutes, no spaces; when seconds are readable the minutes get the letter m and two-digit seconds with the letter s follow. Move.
5h22
